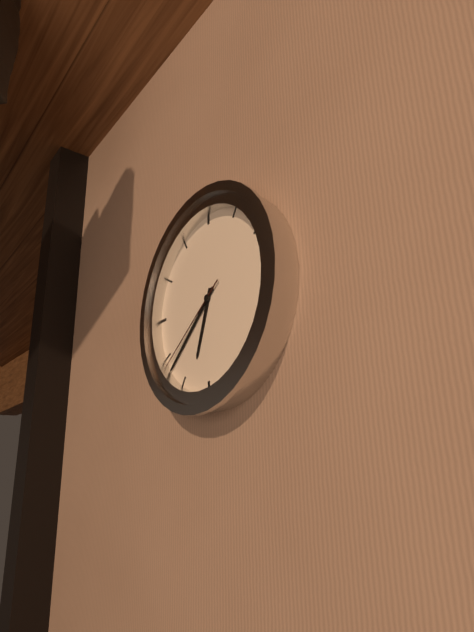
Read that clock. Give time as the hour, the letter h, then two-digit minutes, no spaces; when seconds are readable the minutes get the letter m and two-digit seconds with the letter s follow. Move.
6h38m39s
